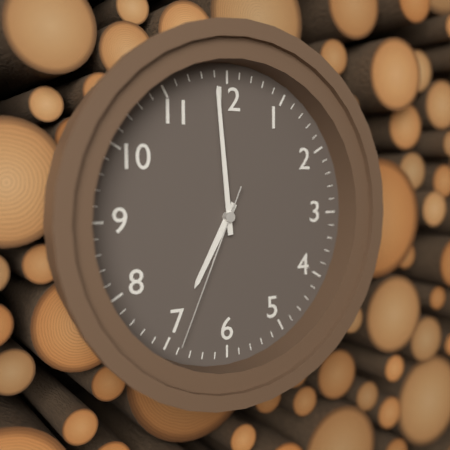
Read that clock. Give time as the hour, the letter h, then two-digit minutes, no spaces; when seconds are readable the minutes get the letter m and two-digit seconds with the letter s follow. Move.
6h59m34s
